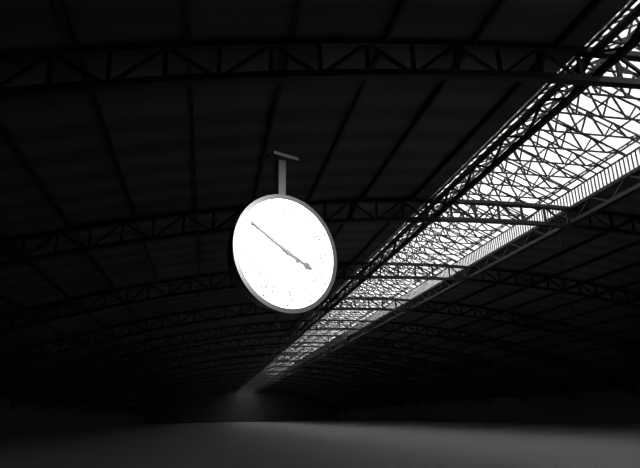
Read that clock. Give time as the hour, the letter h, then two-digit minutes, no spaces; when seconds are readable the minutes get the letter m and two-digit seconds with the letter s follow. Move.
3h50
